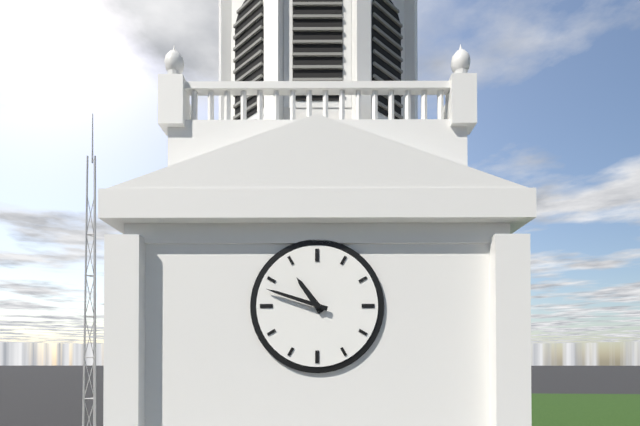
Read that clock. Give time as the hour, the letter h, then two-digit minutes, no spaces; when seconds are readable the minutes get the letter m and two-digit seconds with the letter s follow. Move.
10h48
